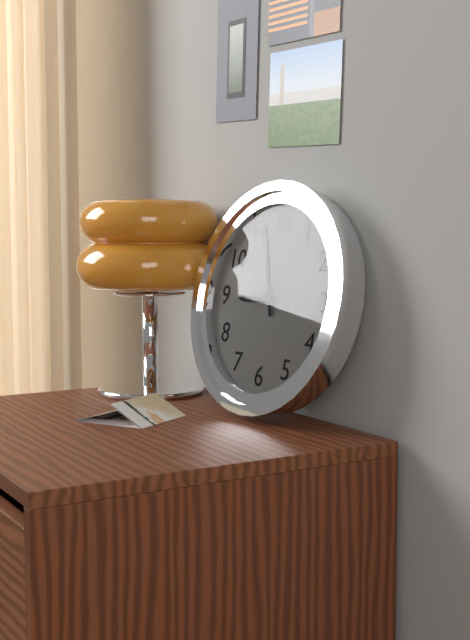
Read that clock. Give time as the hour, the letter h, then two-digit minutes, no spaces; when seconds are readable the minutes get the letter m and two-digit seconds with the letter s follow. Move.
8h57
